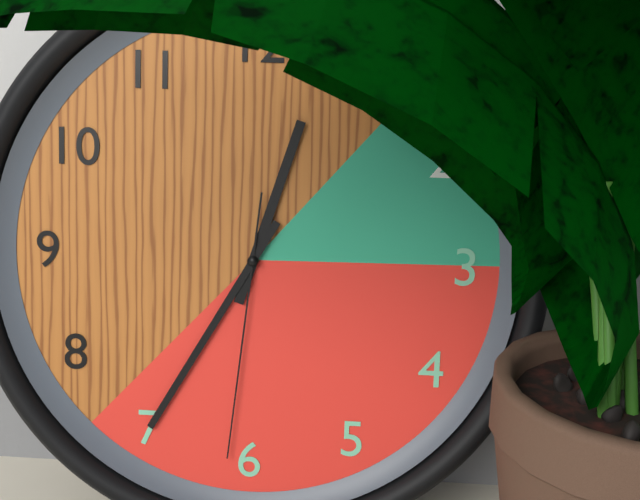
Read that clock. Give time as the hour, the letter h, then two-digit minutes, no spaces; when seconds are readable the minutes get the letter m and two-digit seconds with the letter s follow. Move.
12h35m31s
